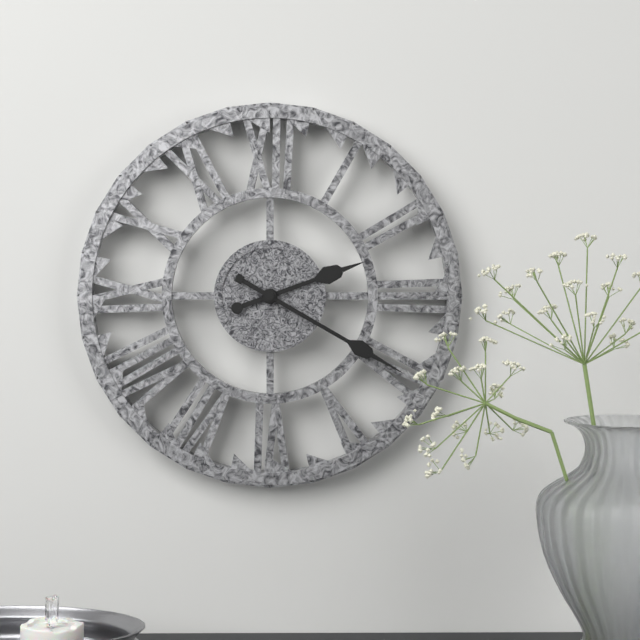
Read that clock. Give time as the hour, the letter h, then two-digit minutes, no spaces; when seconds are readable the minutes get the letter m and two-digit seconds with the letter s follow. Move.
2h20
